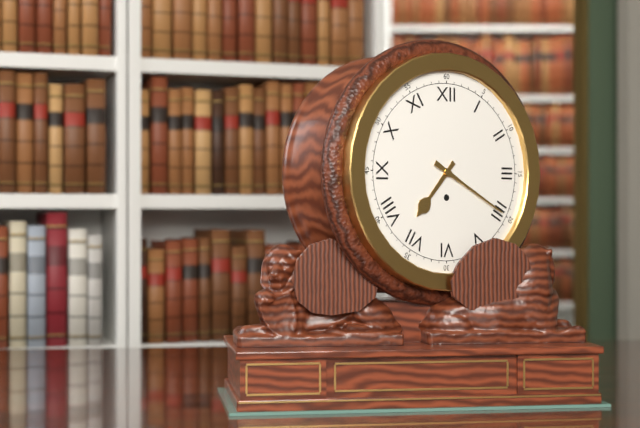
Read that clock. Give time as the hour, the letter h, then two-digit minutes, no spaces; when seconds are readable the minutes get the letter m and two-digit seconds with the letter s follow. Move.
7h20
